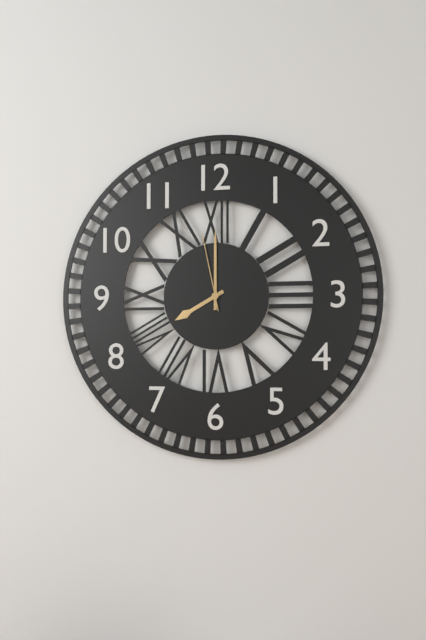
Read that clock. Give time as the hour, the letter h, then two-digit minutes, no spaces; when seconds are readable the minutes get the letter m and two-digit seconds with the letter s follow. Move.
8h00m58s
